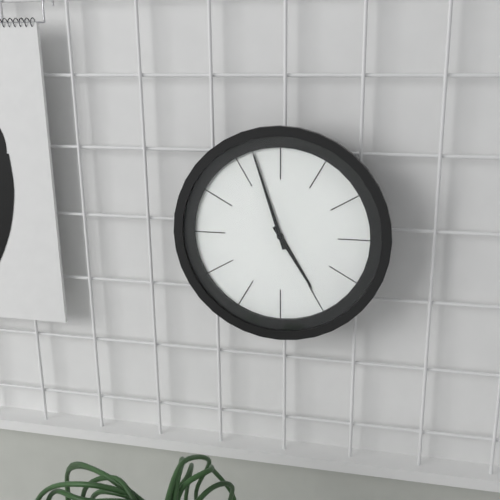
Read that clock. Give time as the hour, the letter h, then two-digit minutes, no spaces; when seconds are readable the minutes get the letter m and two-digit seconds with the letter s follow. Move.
4h57
